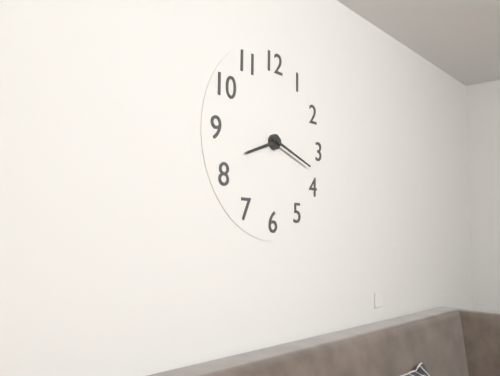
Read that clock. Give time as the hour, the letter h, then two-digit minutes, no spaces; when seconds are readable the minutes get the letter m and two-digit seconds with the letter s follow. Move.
8h18
